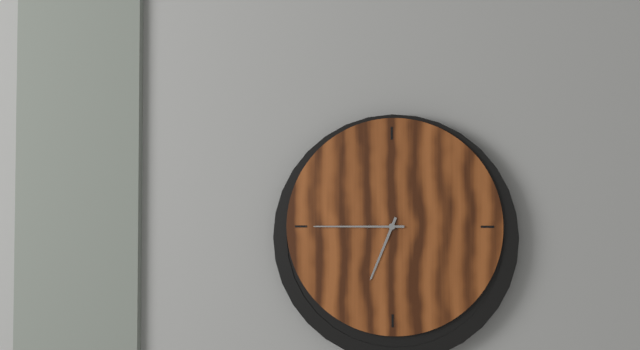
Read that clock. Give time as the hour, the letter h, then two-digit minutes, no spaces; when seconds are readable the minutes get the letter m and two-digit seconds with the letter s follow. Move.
6h45
